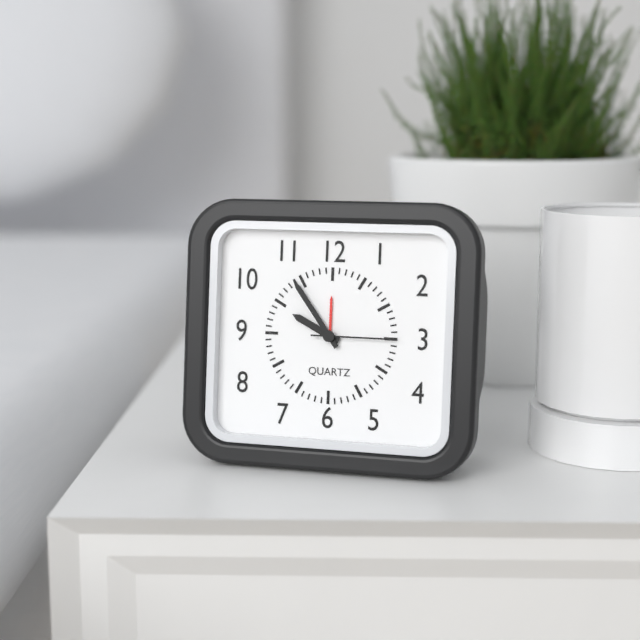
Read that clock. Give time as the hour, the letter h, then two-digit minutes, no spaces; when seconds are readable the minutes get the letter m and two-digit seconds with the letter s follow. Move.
9h54m15s
